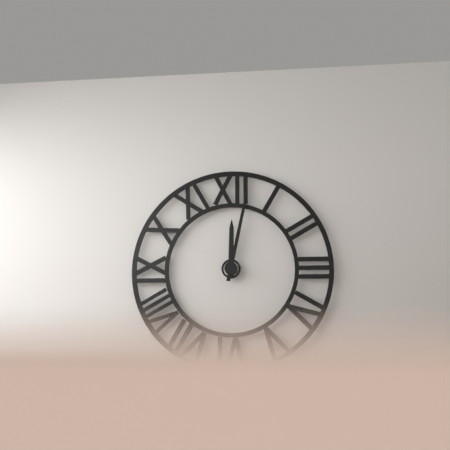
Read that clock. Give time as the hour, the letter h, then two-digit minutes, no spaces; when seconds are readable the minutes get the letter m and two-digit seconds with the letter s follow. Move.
12h02
